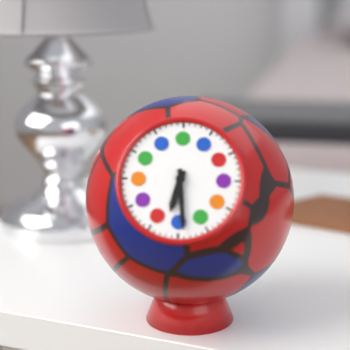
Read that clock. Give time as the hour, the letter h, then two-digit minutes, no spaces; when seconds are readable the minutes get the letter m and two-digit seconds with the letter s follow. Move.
6h29
